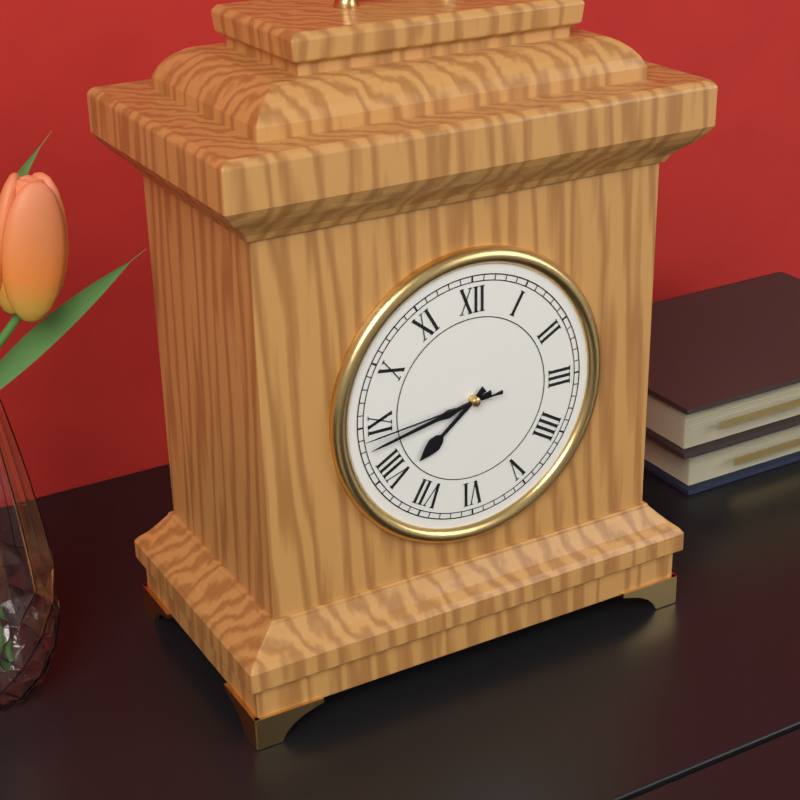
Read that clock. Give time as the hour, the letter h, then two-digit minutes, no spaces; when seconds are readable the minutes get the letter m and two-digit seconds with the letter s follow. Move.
7h43m44s
